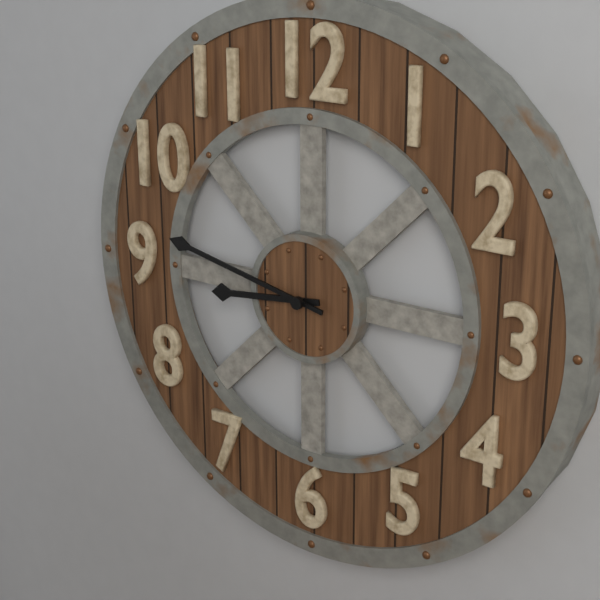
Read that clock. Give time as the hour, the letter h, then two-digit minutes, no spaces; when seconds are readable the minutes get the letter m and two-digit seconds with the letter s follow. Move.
8h47
